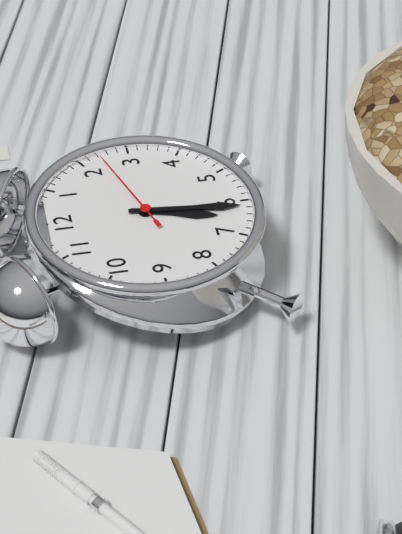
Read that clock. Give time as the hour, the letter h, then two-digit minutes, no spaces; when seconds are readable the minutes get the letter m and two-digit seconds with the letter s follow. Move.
6h31m12s
